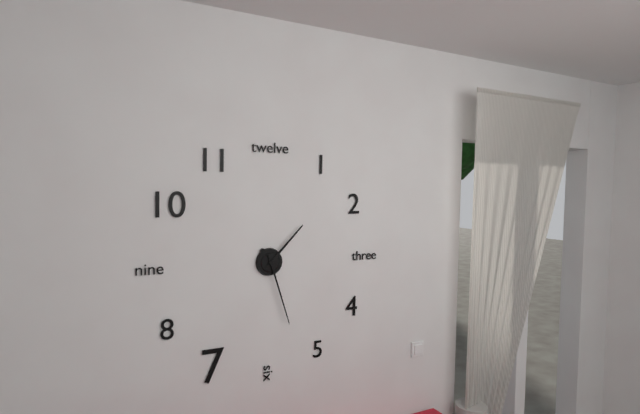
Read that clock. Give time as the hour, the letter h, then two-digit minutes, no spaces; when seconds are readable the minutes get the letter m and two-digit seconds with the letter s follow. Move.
1h27
